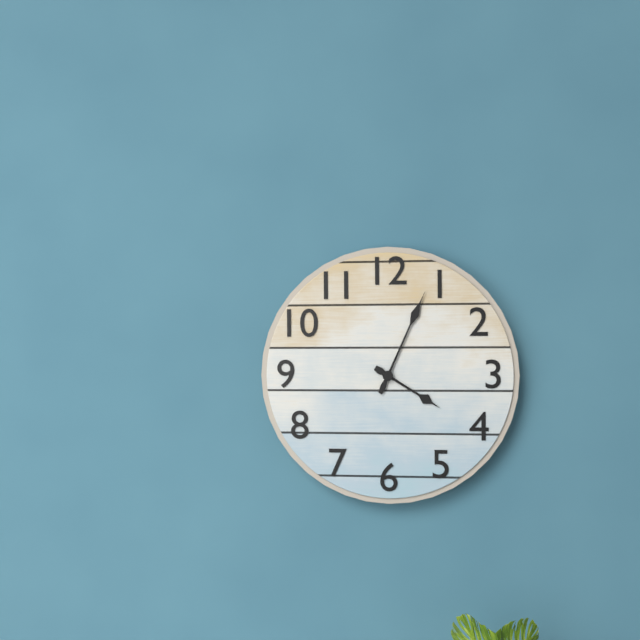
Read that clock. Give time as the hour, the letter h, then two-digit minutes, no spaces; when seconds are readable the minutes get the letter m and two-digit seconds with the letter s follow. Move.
4h04
